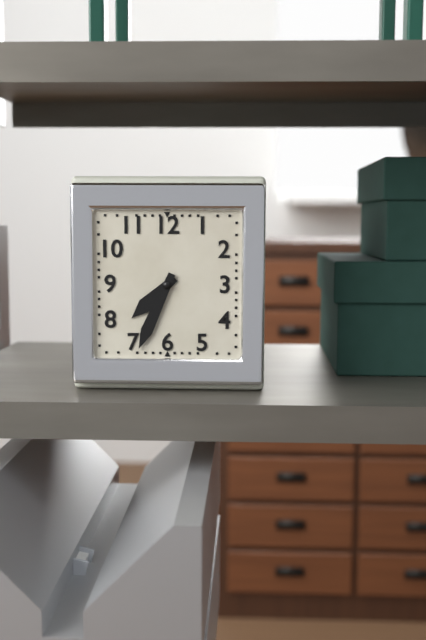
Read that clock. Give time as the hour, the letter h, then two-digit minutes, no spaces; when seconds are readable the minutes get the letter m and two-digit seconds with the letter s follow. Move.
7h34
